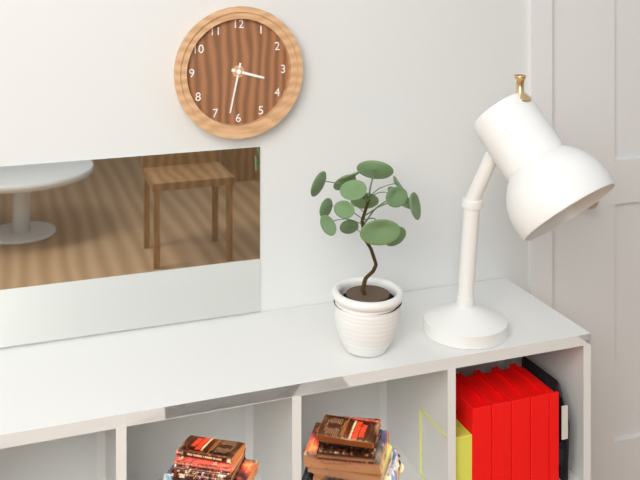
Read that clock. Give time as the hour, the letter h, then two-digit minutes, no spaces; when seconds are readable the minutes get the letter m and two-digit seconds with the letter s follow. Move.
3h32
